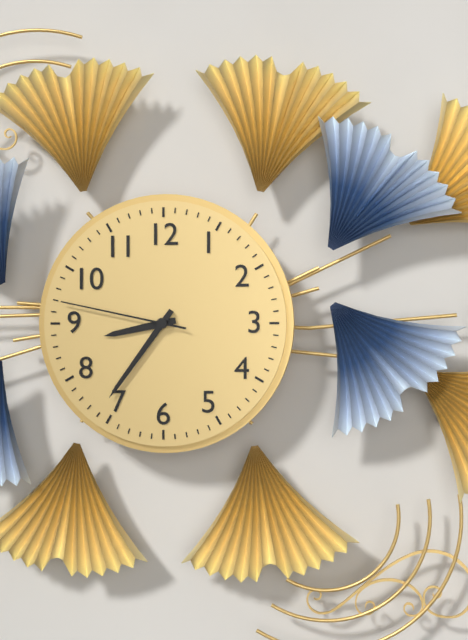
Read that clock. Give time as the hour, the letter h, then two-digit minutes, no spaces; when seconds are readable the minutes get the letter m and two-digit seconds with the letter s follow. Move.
8h36m47s
